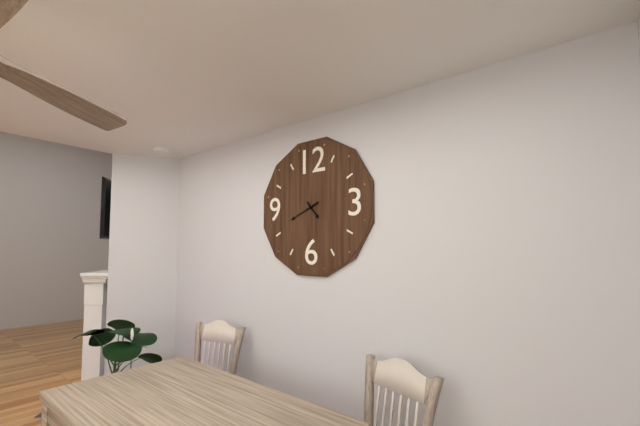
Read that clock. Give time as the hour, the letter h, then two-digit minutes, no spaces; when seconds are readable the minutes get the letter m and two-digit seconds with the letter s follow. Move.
4h41
